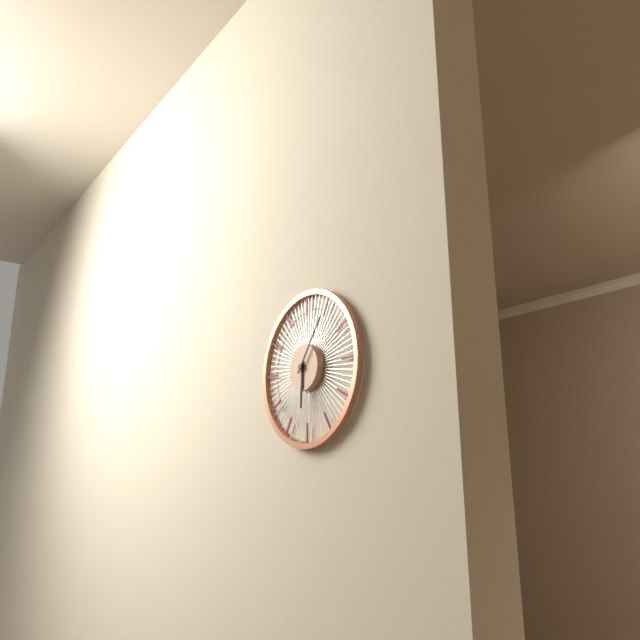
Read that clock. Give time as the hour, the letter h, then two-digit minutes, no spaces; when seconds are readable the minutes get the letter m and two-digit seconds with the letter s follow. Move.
6h06
